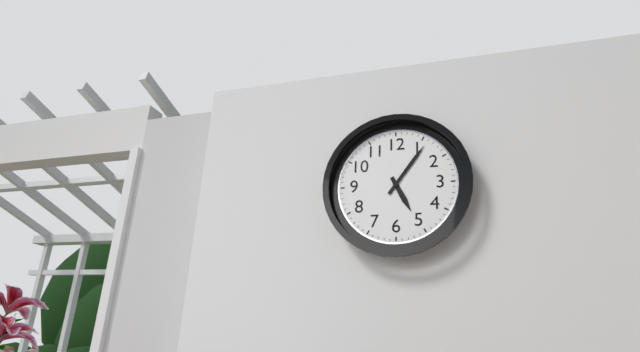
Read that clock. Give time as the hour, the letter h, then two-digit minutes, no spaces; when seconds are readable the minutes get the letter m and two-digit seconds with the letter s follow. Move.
5h06
